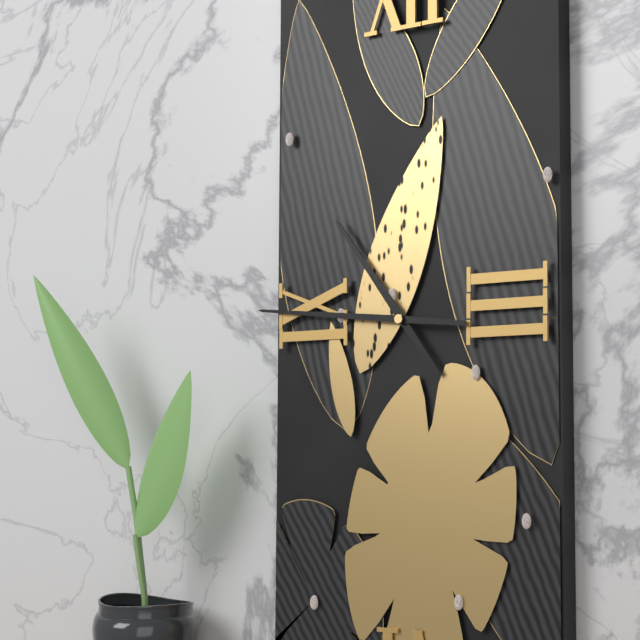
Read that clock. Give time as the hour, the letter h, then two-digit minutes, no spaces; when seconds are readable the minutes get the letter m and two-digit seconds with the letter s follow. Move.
10h46
